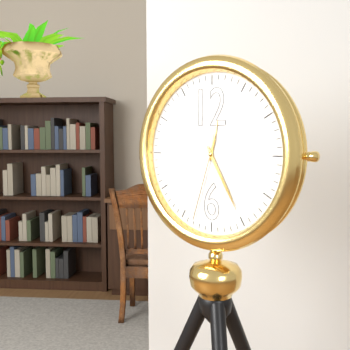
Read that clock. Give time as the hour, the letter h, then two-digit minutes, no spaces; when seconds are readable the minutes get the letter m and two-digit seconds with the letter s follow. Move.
12h25m33s
